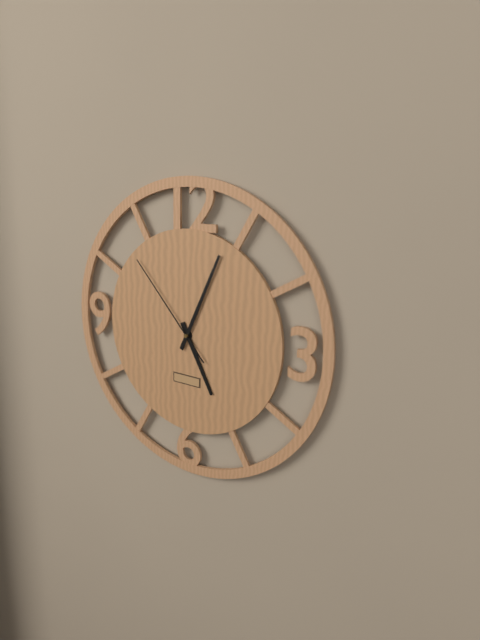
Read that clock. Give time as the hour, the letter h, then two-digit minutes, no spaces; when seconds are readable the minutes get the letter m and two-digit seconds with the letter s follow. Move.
5h04m53s
